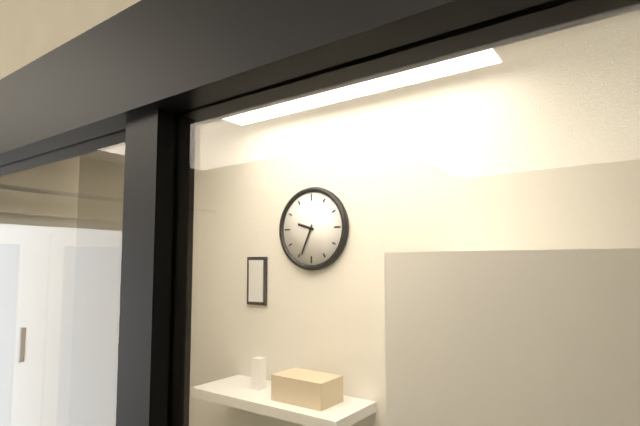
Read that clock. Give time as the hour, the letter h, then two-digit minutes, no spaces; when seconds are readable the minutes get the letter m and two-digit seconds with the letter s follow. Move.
9h34
